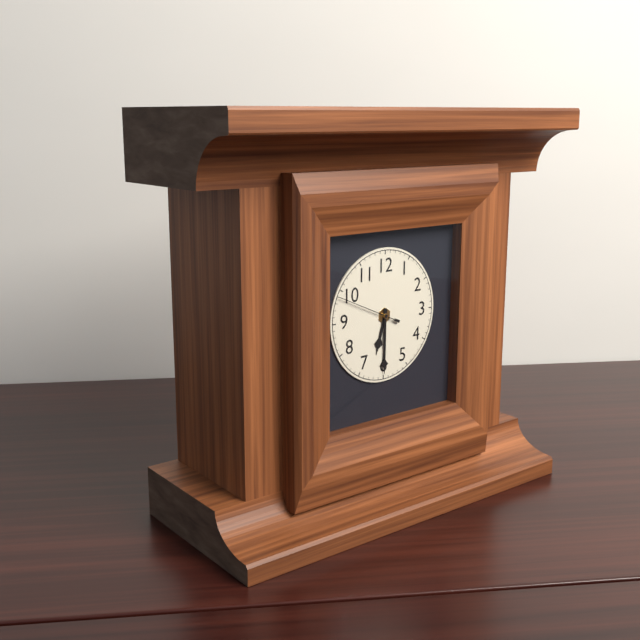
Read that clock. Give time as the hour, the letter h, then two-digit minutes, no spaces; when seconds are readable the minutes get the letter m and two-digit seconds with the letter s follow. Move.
6h30m49s
